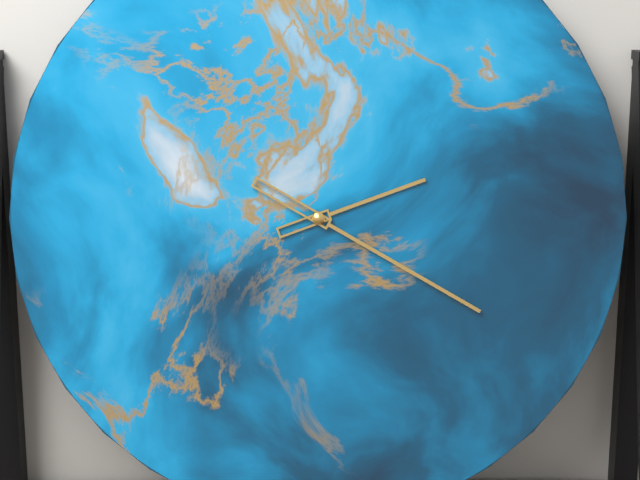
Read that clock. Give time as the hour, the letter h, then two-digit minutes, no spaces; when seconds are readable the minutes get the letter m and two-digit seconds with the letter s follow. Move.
2h20
